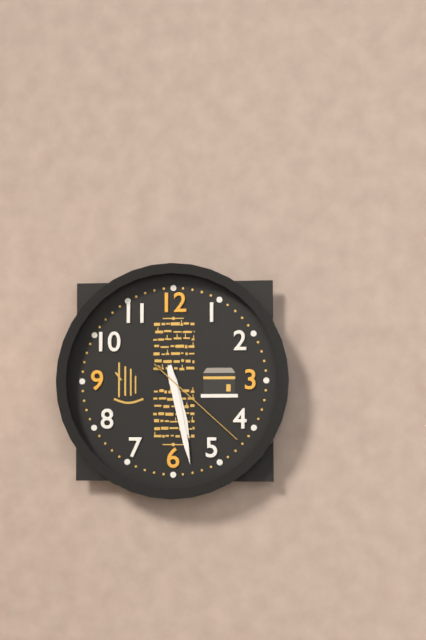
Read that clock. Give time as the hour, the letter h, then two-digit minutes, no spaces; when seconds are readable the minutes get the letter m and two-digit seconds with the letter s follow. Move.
5h28m22s
